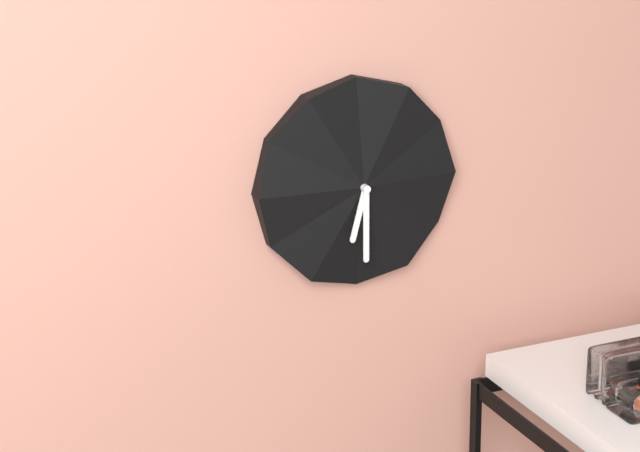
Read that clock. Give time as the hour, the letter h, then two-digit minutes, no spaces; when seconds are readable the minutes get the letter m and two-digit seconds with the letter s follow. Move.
6h30
